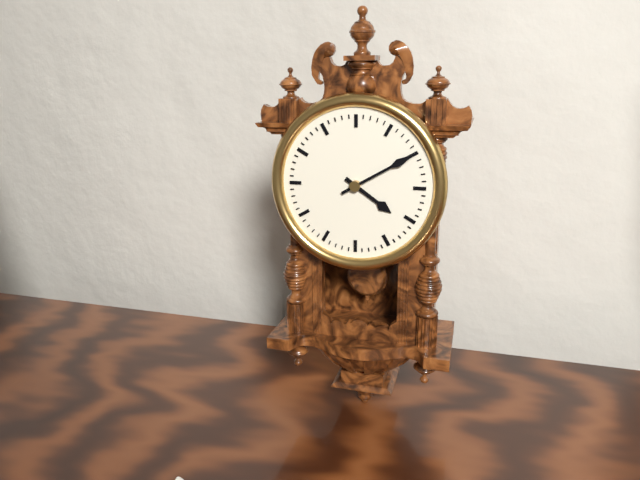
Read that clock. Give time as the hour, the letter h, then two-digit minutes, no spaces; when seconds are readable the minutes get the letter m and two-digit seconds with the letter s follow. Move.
4h10
